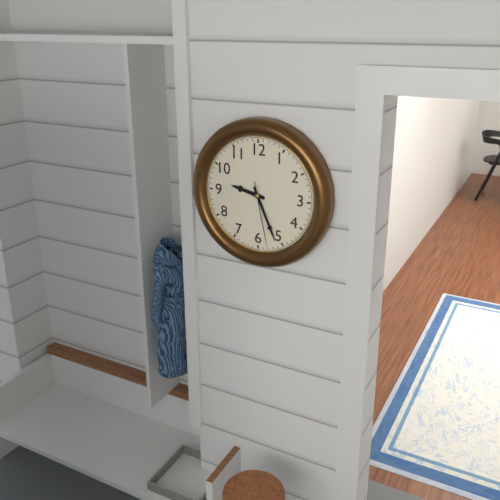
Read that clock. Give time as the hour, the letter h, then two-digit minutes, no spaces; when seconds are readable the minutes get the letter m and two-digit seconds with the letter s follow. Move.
9h26m28s
